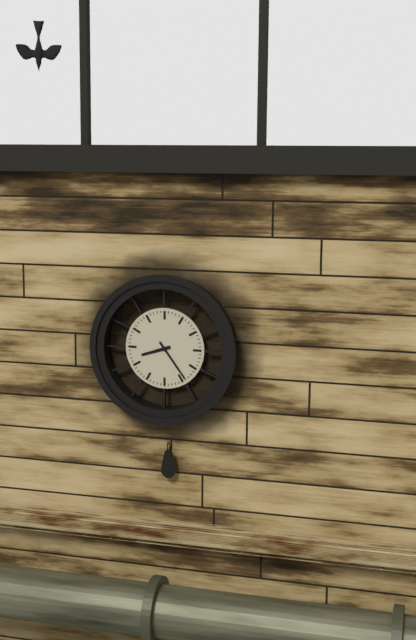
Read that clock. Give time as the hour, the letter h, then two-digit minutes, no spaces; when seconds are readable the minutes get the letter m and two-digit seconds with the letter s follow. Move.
8h24
